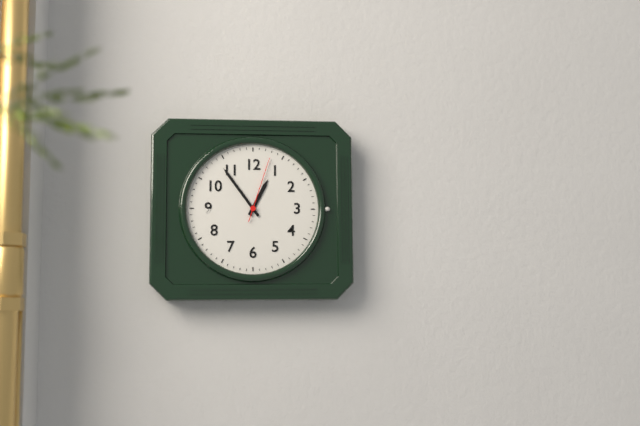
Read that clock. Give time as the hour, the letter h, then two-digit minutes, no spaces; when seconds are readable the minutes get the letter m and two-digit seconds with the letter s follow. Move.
12h54m03s
